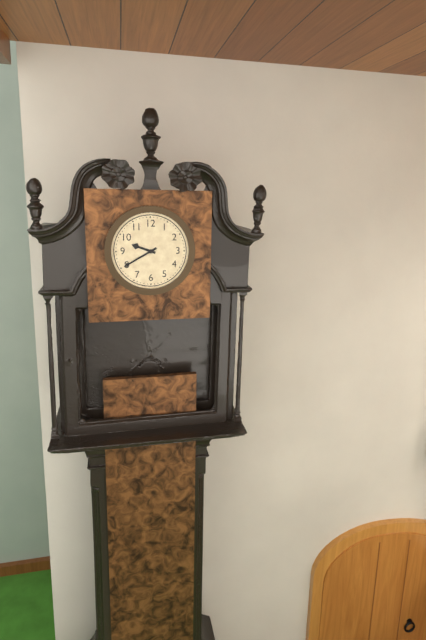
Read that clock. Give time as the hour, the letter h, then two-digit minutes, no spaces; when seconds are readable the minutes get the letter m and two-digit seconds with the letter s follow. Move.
9h40
